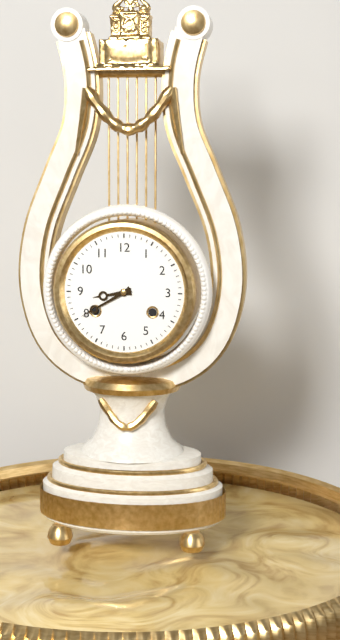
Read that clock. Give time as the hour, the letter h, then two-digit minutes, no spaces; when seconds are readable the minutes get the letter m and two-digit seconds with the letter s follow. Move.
8h40
